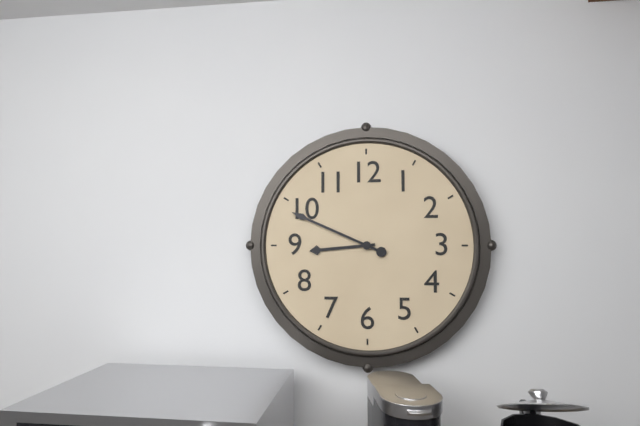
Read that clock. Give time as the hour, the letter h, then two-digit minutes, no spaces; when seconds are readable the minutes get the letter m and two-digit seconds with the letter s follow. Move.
8h49
